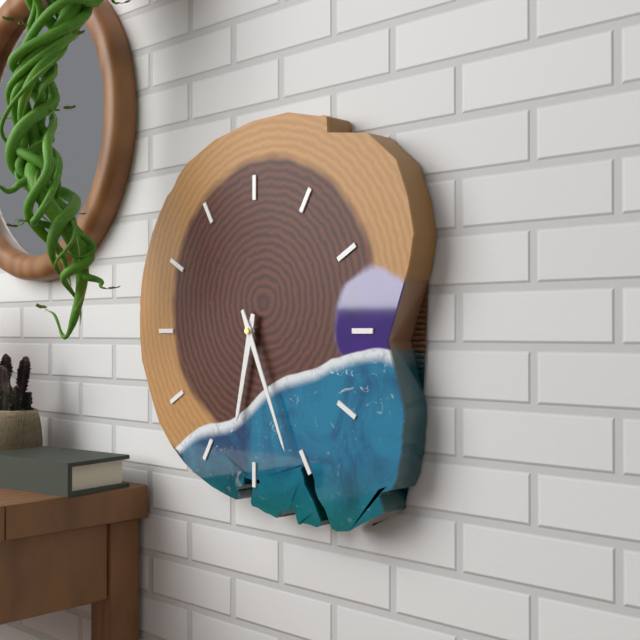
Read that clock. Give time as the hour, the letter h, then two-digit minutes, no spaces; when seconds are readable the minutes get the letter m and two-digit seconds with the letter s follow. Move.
6h26
